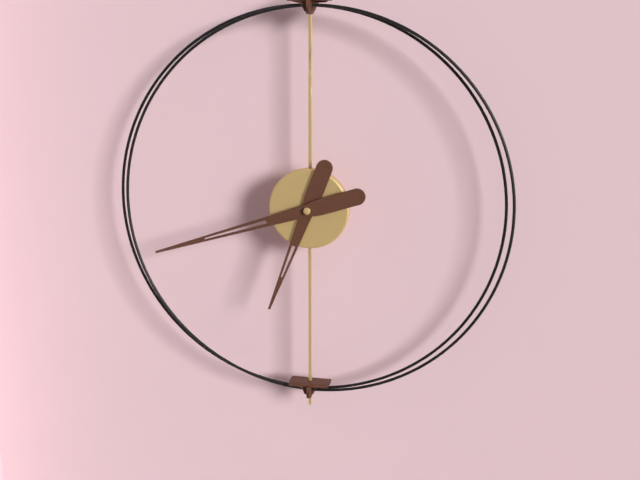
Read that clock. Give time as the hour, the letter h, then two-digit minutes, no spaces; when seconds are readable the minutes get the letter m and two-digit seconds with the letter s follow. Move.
6h42
